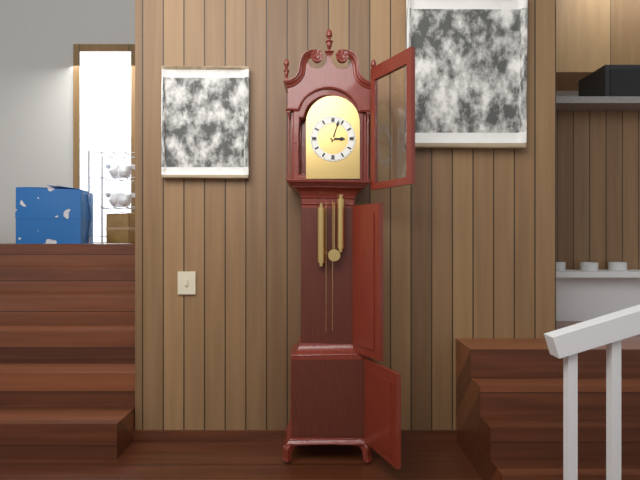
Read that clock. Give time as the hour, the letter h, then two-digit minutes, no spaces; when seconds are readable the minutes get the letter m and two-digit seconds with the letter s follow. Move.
3h03
